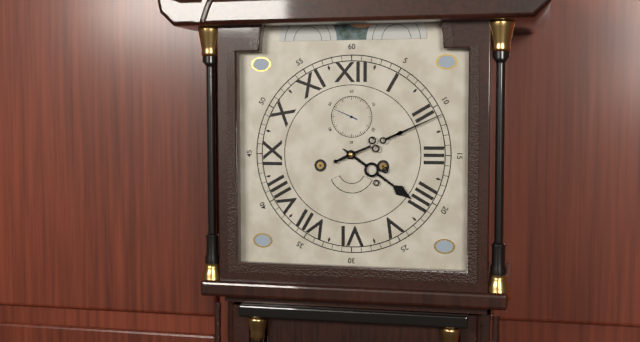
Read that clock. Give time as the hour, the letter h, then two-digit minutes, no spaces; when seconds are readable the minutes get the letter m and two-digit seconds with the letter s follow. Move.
4h11
